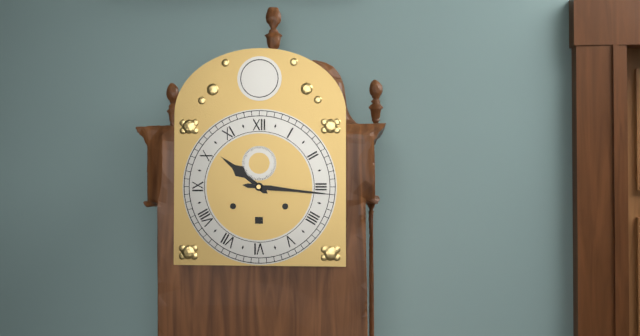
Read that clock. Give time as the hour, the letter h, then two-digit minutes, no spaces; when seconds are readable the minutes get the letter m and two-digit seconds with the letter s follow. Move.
10h16
